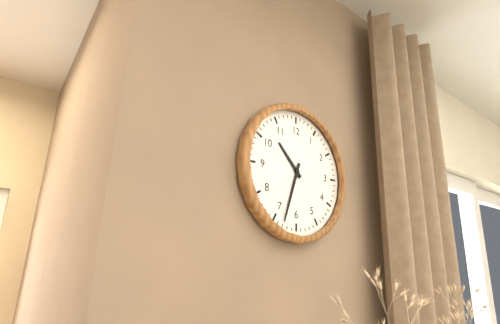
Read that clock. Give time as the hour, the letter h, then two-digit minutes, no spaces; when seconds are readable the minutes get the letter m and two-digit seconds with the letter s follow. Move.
10h33
